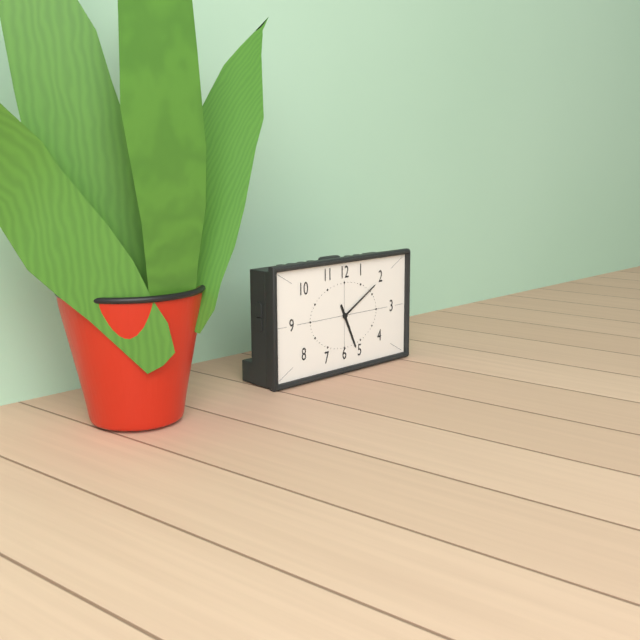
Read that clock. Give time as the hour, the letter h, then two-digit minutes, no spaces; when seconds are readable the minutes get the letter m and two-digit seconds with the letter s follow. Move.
5h10
